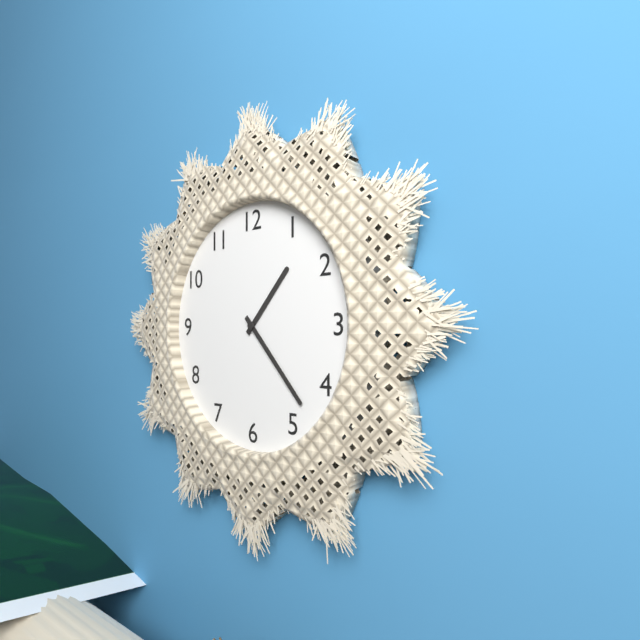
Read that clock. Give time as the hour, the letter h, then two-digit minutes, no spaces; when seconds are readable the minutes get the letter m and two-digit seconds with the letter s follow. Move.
1h23
